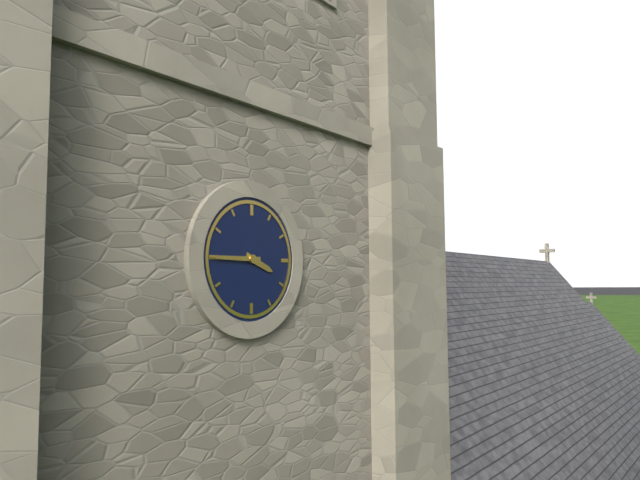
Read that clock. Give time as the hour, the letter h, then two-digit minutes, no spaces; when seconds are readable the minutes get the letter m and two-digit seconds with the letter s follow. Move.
3h45
